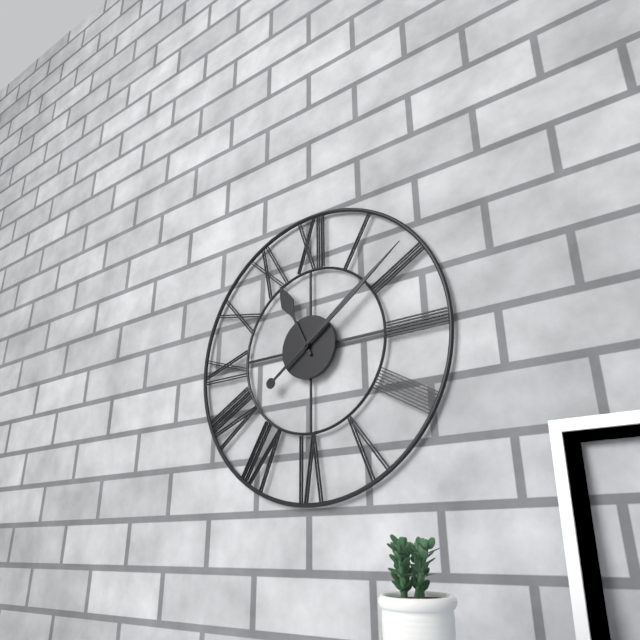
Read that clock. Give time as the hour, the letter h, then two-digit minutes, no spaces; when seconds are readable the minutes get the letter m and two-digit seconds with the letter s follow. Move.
11h09
